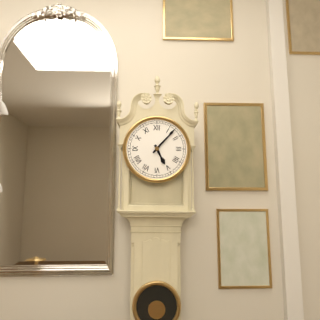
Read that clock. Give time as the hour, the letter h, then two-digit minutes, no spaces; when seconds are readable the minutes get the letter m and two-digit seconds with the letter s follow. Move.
5h07
